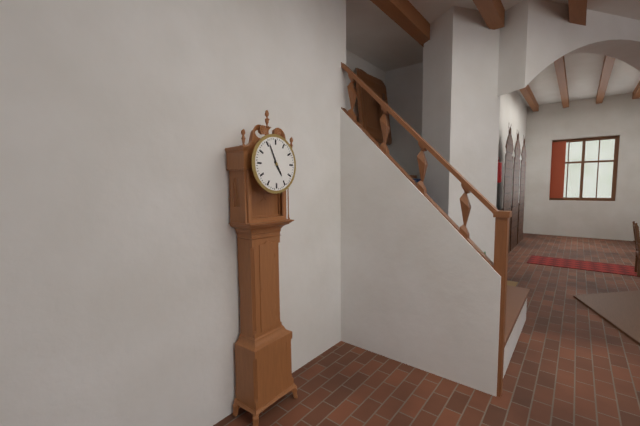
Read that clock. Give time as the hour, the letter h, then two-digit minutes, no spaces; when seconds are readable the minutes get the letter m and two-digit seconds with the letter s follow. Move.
4h56
